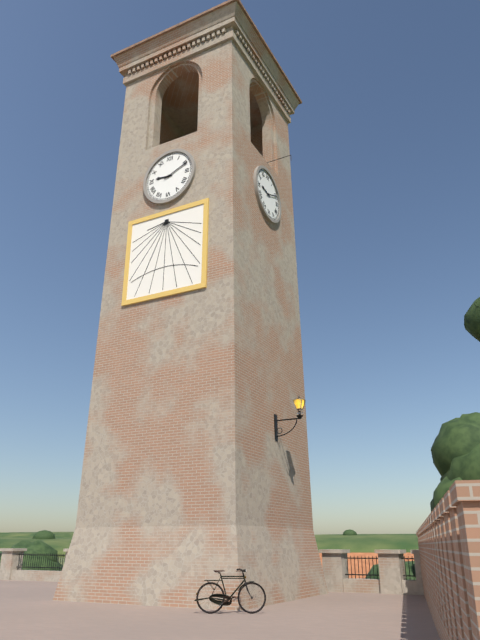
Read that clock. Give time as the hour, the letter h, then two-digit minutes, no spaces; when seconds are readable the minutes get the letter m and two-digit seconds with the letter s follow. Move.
9h11
